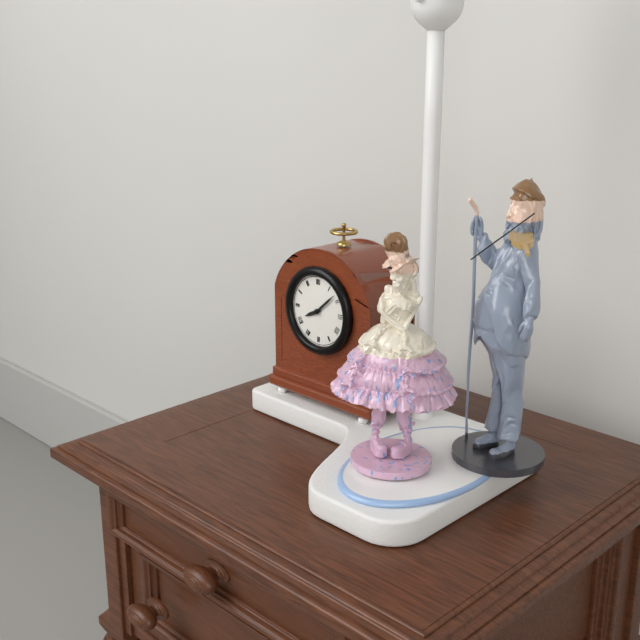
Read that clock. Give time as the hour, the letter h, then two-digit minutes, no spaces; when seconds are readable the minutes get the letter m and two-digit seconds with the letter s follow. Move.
8h08
